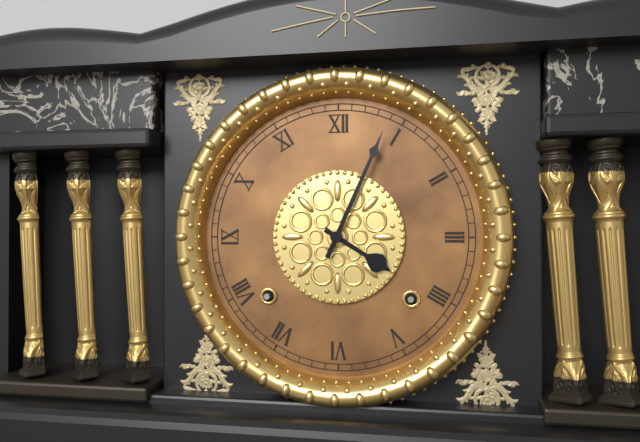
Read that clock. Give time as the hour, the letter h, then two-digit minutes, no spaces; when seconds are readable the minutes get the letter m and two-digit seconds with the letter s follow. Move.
4h04
